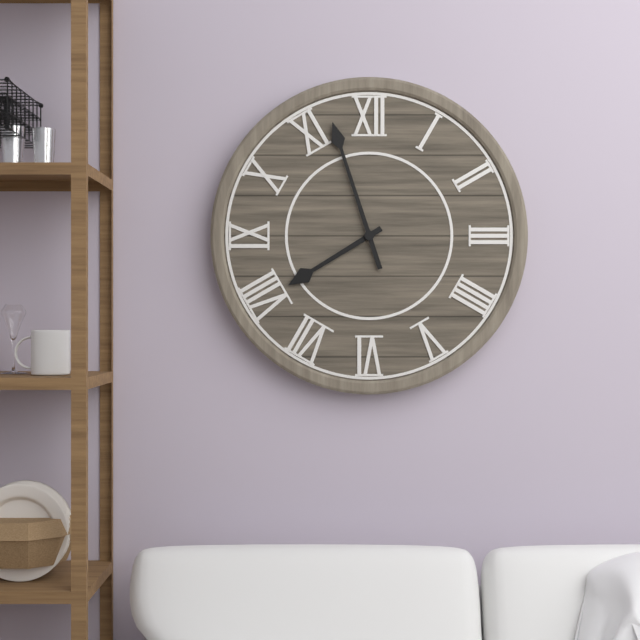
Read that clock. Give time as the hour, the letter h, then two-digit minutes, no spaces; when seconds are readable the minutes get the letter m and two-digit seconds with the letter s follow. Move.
7h57
